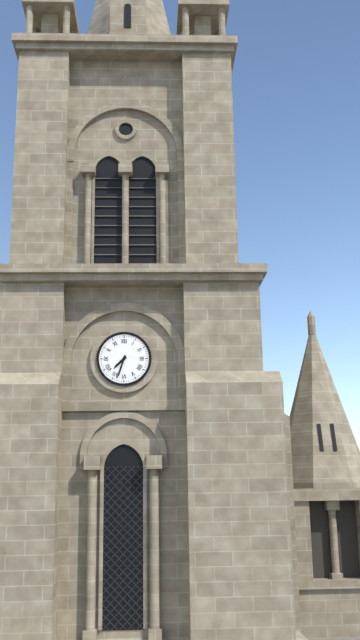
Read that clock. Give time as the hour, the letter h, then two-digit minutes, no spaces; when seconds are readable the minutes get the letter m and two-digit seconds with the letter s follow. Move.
7h33
